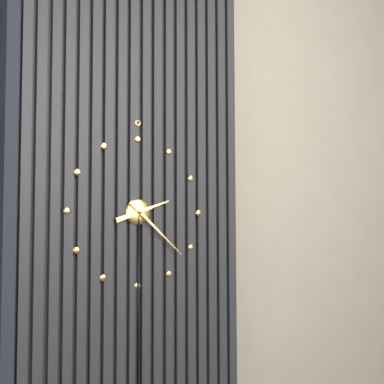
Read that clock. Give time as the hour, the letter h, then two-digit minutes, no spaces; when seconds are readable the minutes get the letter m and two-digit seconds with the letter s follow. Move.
2h22
